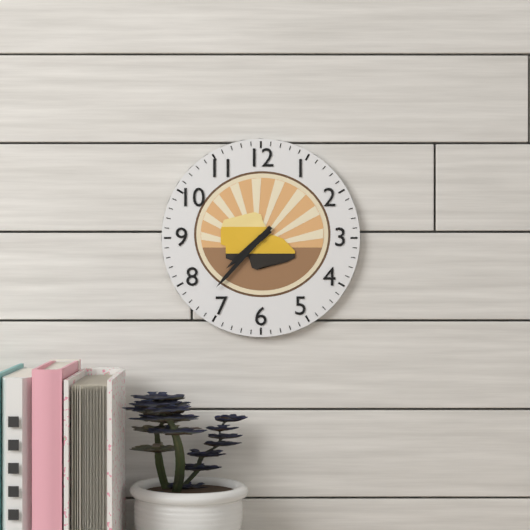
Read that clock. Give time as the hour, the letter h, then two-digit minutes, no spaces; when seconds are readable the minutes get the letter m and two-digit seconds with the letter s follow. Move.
7h37
